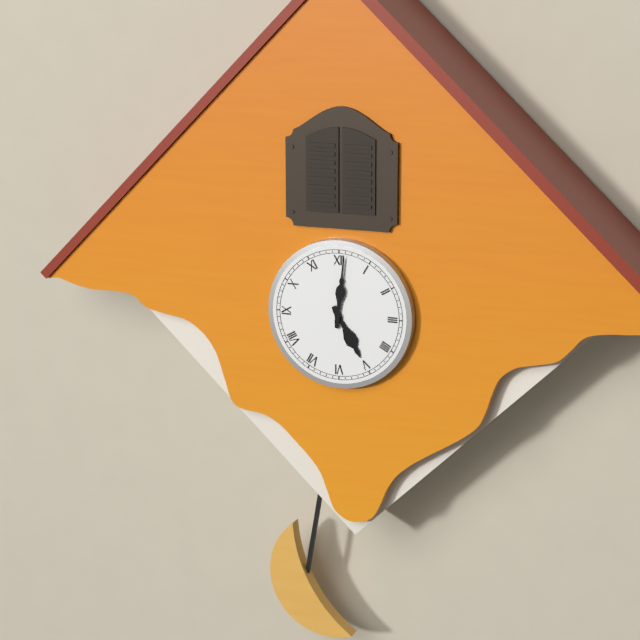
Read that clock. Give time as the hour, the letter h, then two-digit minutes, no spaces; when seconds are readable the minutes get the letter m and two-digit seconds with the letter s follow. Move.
5h01
